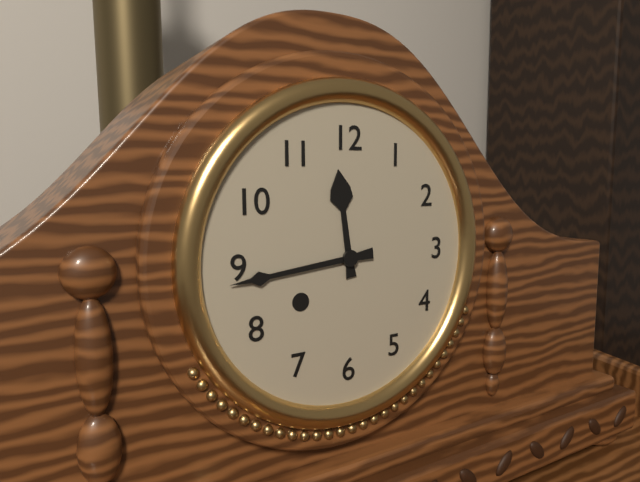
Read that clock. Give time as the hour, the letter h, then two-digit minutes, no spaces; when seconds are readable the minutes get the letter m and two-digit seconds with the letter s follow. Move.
11h44
